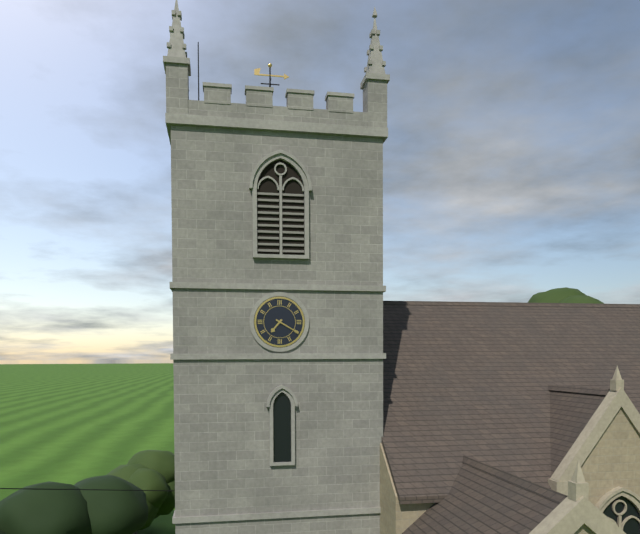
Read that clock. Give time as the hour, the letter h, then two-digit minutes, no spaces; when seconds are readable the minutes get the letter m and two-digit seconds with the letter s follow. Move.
7h20
